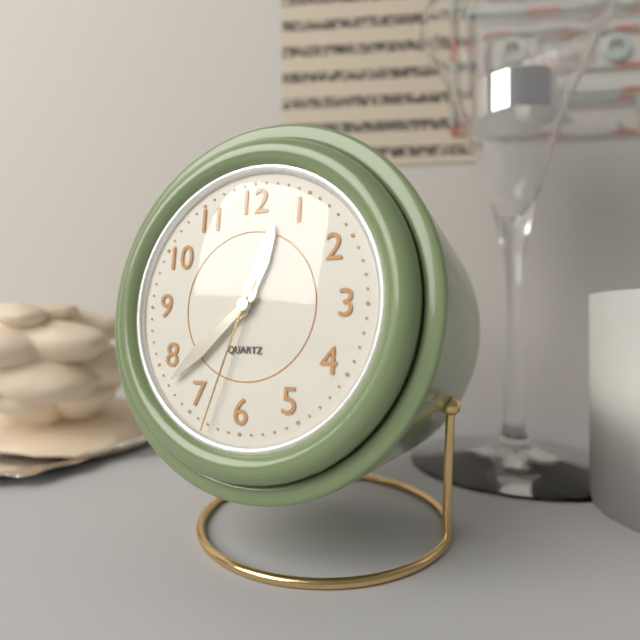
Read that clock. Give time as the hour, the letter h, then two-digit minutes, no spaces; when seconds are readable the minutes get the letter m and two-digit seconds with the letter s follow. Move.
12h38m33s
